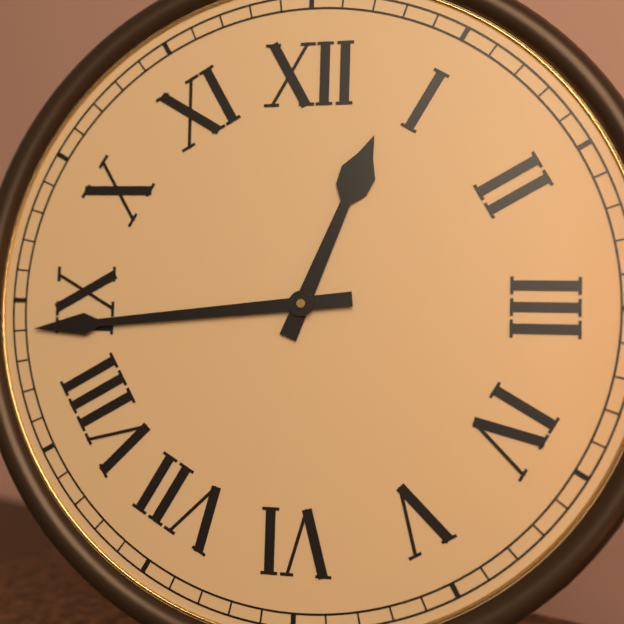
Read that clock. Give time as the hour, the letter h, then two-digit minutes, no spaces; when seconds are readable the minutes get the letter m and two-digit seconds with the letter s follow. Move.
12h44
